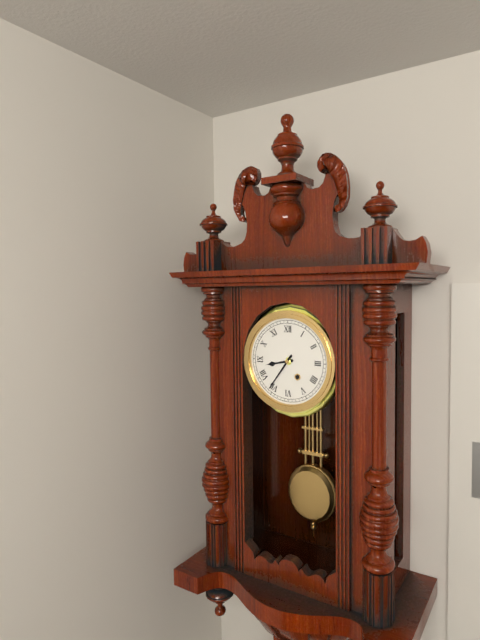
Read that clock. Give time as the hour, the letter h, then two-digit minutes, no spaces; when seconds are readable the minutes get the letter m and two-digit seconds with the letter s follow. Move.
8h36
